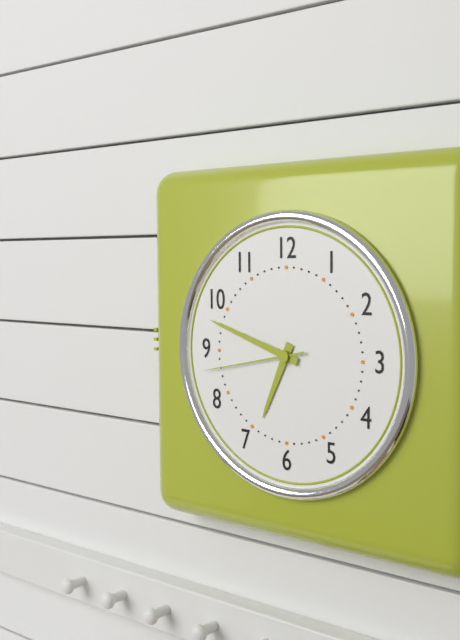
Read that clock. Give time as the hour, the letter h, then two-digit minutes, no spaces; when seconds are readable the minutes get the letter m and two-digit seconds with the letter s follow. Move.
6h48m43s
